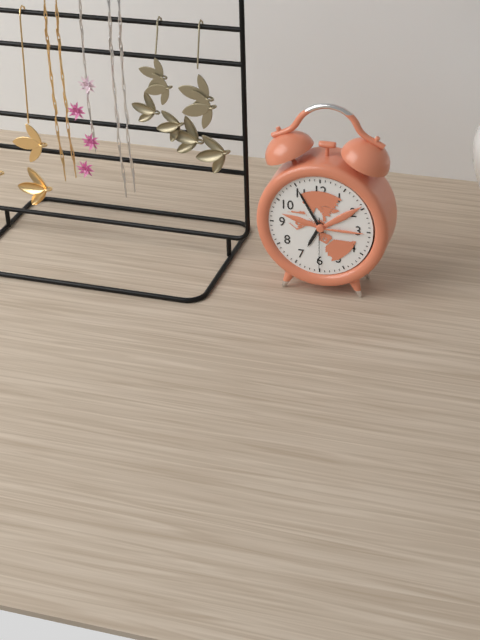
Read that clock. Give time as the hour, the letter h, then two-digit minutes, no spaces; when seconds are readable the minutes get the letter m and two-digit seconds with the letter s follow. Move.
6h55m30s
